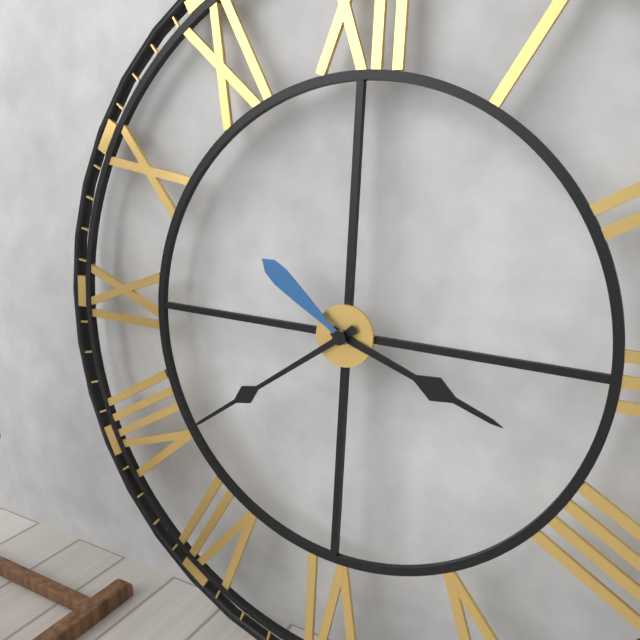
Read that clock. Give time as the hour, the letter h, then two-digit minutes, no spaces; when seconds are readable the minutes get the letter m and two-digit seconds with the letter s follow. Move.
3h39m51s
